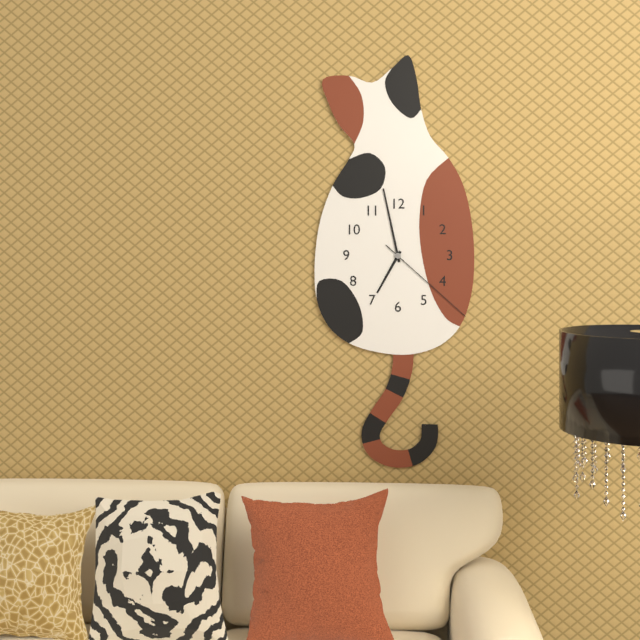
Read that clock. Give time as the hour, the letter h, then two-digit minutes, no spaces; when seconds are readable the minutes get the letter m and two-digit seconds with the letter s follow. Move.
6h58m22s
